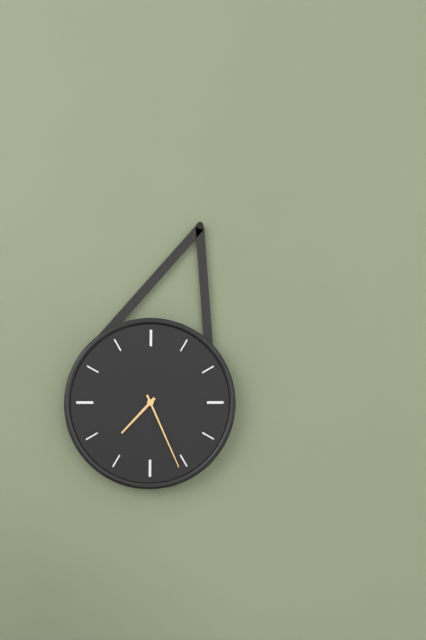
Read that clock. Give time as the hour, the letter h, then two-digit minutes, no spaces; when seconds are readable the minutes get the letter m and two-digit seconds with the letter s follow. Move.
7h26
